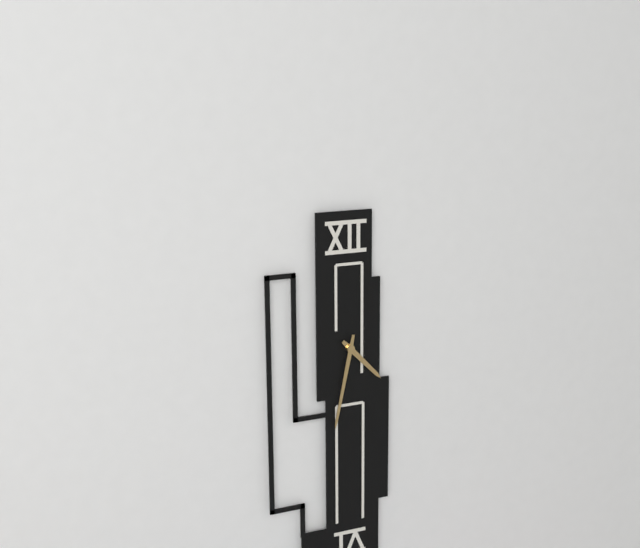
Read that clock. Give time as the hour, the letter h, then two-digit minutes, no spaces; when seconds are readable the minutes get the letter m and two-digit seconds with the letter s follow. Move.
4h32
